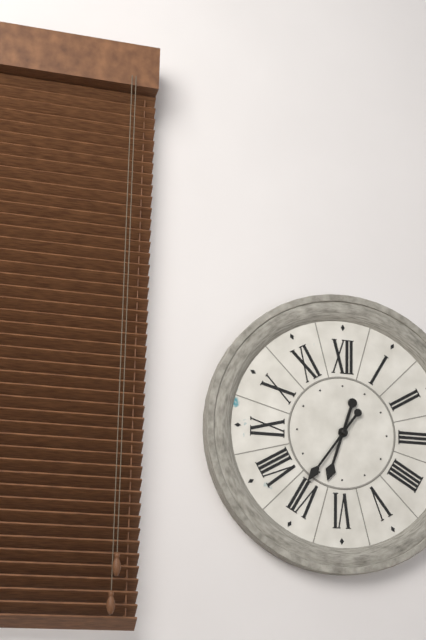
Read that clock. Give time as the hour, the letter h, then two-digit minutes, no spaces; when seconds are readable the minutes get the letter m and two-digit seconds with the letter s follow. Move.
6h36
